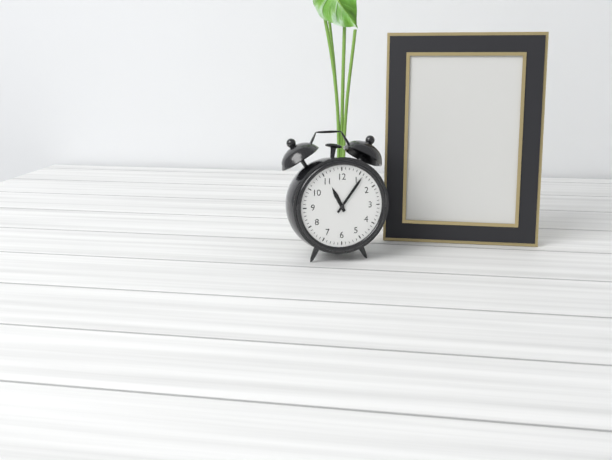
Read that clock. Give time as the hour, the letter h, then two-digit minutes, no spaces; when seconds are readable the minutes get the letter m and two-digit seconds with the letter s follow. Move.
11h06
